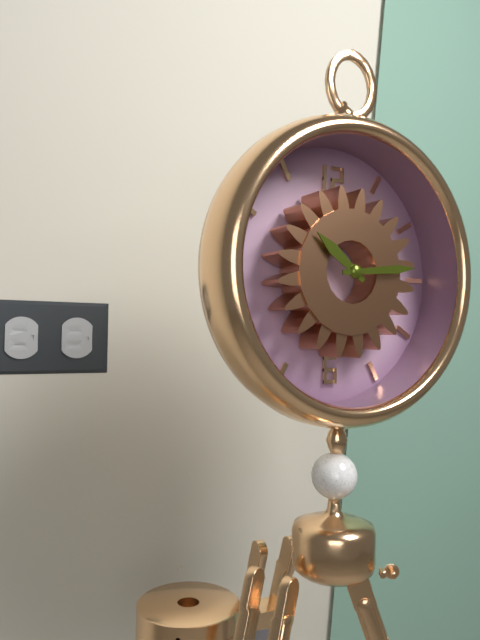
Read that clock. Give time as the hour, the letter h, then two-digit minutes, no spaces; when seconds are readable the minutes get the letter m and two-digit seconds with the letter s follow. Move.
10h14
